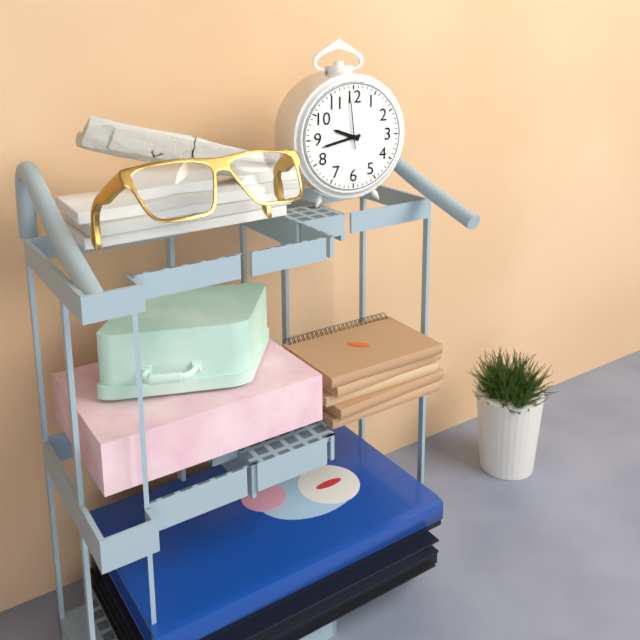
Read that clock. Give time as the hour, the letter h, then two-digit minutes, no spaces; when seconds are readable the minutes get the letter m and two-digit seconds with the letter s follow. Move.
9h43m59s
